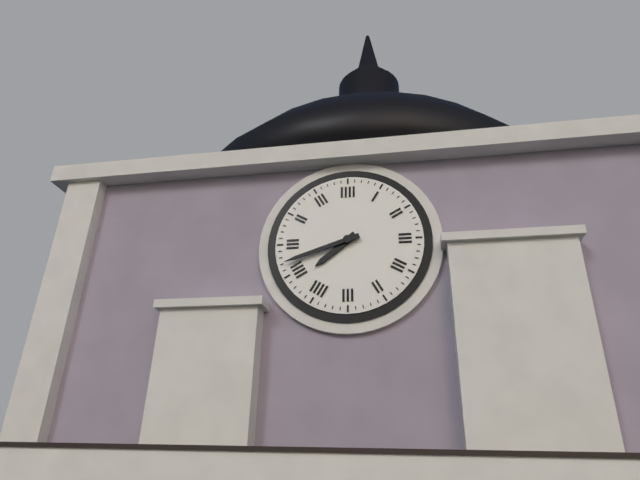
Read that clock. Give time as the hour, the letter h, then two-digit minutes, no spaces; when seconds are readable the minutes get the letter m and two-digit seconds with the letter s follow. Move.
7h42
